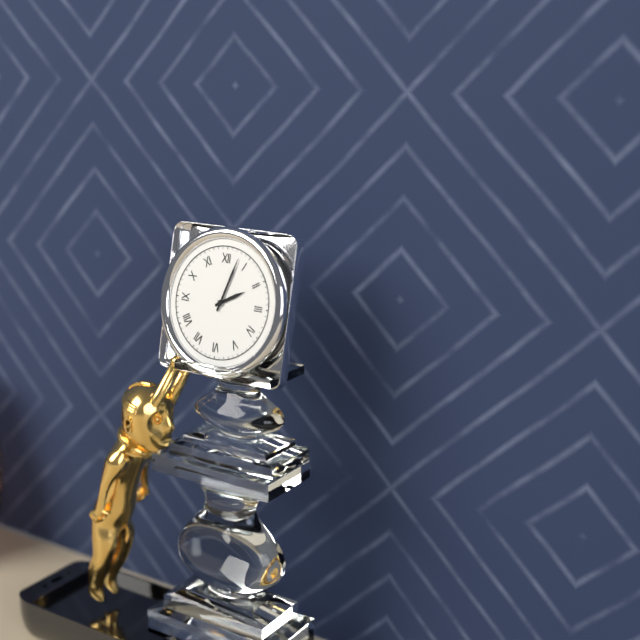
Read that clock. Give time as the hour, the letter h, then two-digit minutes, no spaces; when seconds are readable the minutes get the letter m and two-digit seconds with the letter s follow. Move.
2h03
